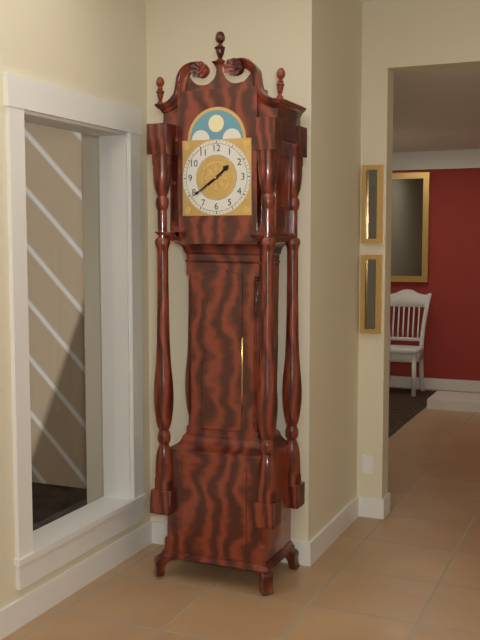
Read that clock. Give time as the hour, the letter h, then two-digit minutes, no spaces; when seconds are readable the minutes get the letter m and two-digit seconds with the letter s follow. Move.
1h39
